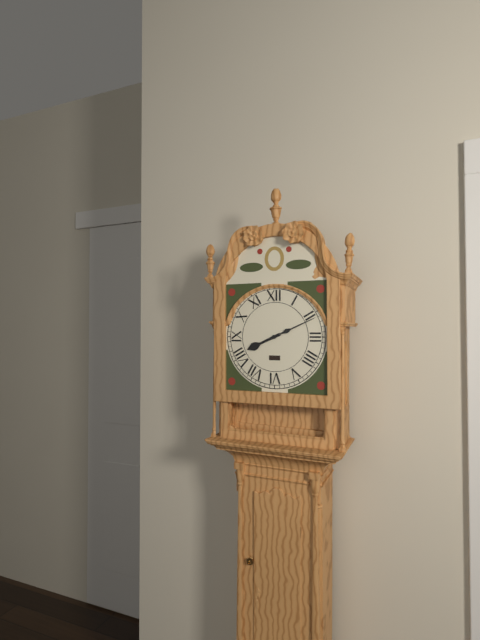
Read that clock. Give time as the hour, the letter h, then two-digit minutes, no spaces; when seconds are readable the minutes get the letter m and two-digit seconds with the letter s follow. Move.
8h11
